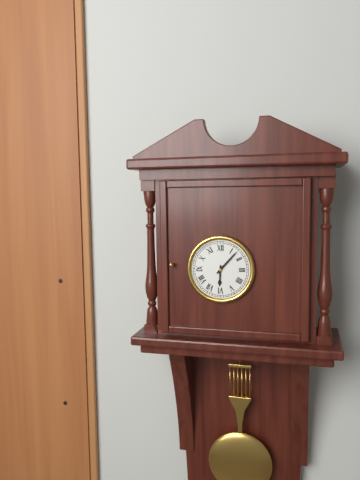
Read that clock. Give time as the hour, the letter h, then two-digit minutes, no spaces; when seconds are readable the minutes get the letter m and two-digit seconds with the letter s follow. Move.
6h07
